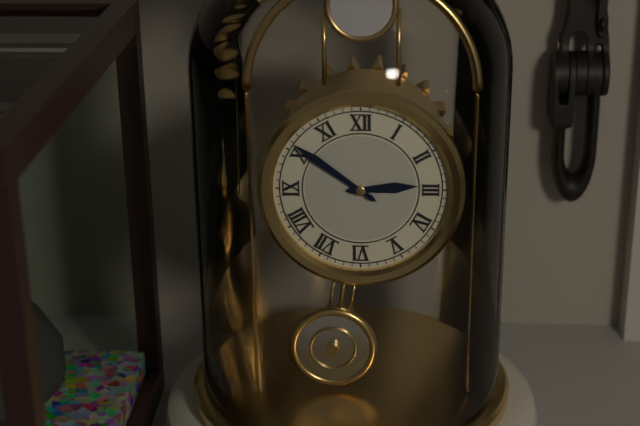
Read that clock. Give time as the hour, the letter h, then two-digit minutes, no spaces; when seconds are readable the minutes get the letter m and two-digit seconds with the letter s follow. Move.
2h51
